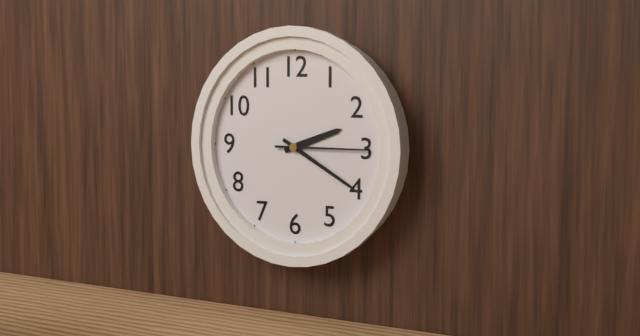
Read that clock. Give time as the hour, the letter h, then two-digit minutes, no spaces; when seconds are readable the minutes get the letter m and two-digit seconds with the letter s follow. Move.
2h20m15s
